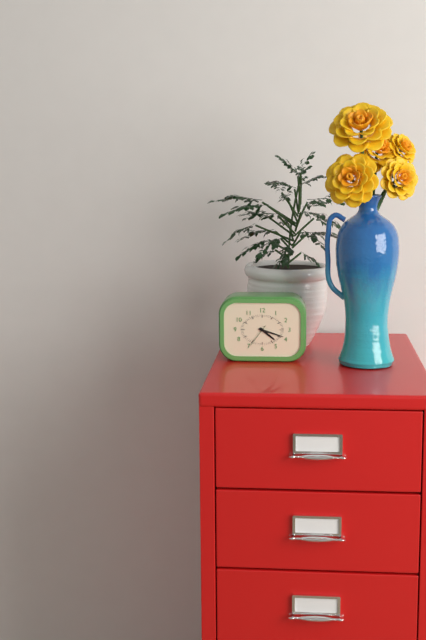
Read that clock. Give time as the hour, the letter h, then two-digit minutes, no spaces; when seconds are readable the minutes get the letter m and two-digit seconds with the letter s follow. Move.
4h18
